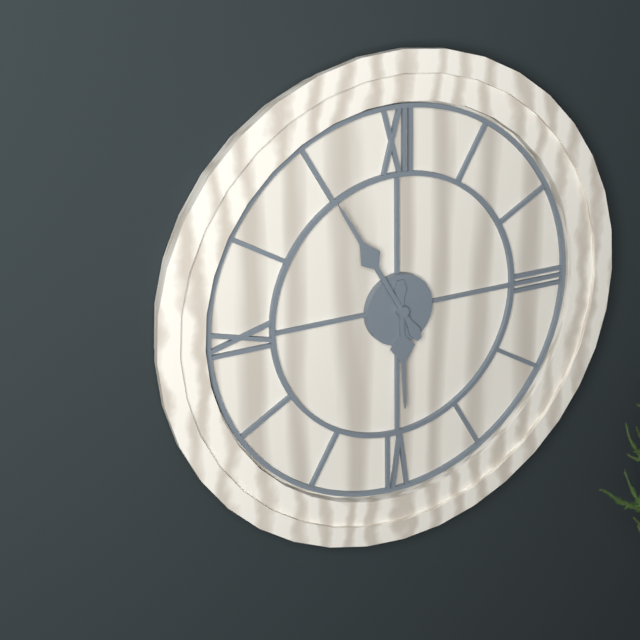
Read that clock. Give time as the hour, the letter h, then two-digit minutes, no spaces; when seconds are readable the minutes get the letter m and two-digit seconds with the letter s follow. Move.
5h55
